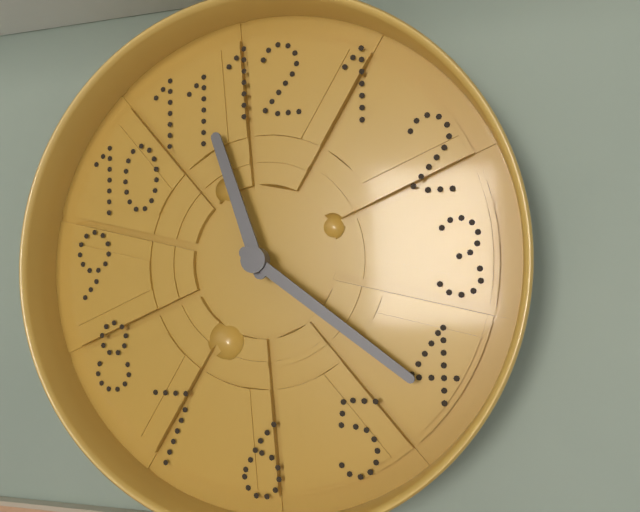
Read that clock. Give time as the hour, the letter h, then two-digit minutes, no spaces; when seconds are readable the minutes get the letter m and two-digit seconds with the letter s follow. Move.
11h21
